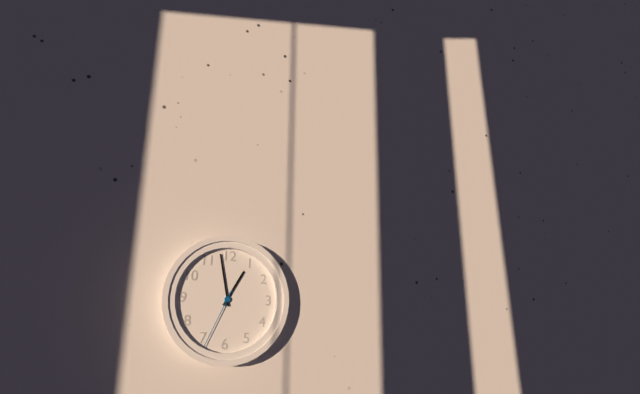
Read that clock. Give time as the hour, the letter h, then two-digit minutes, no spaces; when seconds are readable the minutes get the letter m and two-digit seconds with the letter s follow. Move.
12h58m34s
